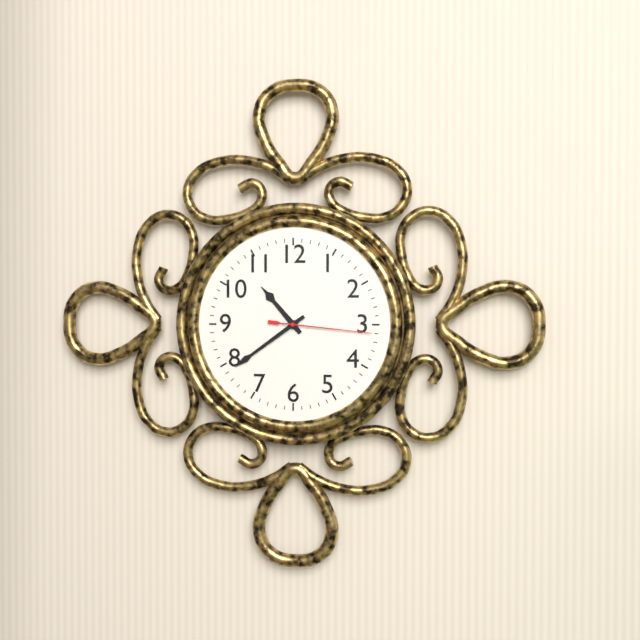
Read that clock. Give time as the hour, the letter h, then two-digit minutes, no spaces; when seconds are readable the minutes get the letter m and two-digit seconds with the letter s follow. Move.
10h39m16s
